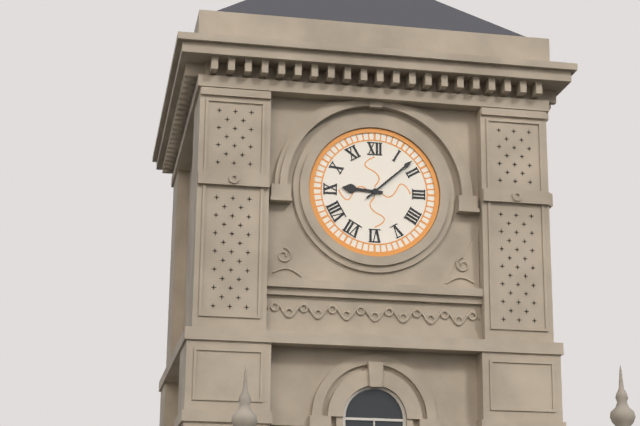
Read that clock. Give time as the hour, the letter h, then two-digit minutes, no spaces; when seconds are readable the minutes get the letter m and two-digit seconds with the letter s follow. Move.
9h08
